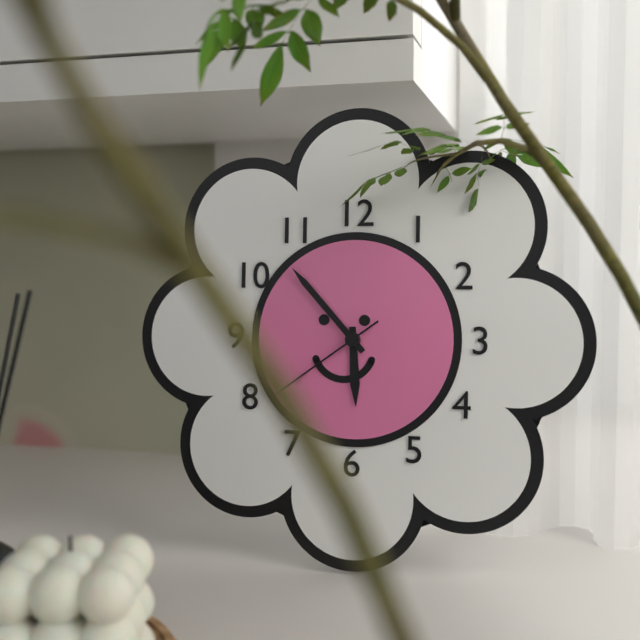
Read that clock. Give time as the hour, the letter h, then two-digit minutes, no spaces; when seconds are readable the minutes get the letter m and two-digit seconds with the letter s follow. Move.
5h53m39s
